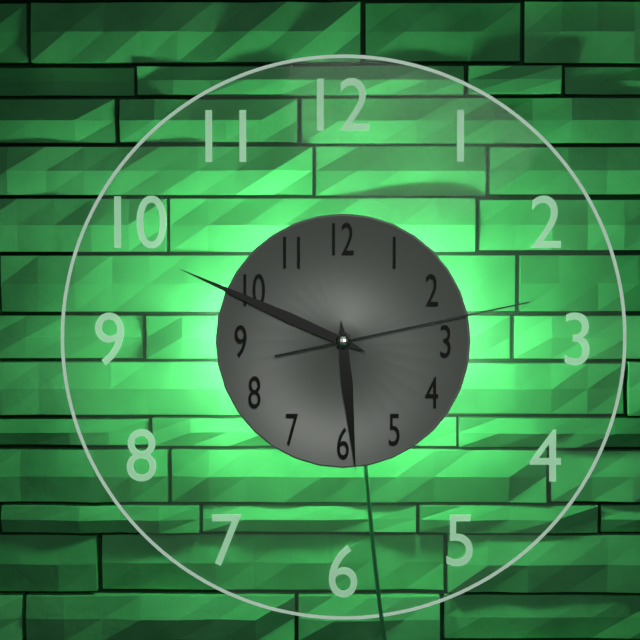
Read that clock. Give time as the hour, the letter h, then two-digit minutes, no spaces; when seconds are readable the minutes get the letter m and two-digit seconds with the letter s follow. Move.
5h49m13s
